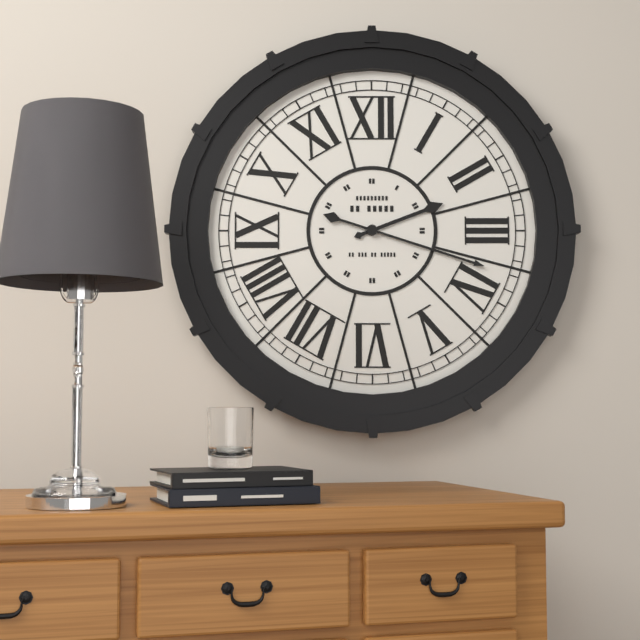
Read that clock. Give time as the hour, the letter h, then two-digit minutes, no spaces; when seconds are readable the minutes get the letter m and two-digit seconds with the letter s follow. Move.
2h18
